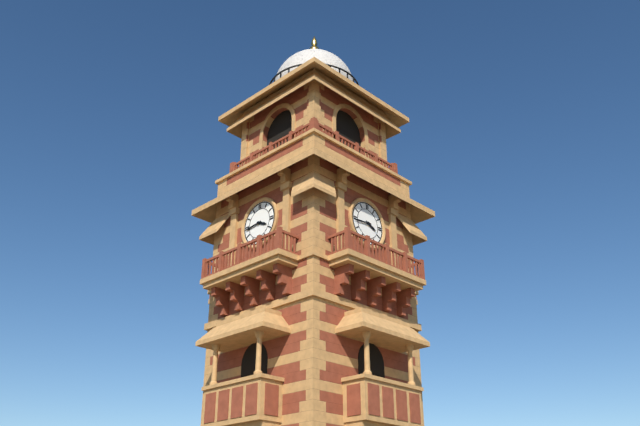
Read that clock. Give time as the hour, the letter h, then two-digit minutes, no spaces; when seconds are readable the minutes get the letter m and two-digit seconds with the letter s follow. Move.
3h44
